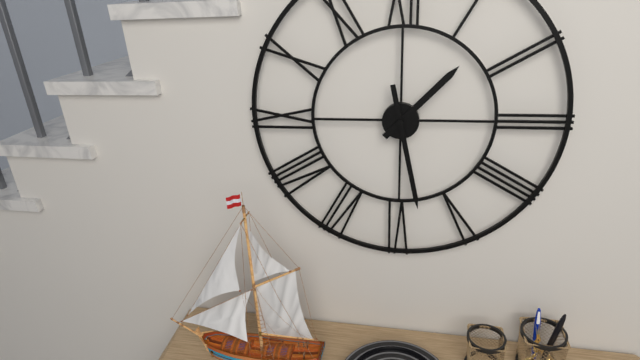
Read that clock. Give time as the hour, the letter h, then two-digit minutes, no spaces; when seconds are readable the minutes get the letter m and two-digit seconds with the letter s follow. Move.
1h28
